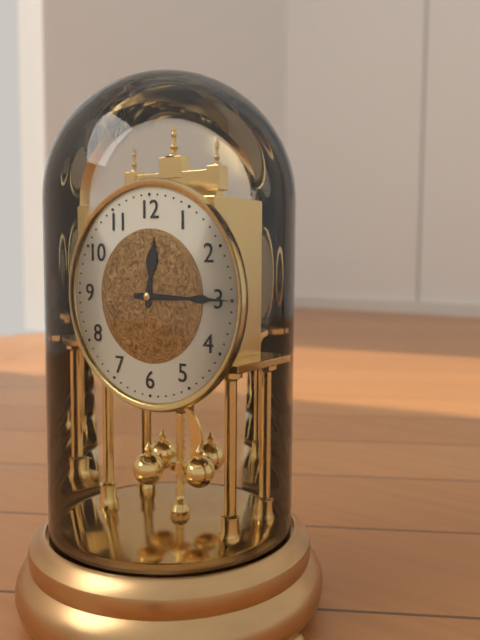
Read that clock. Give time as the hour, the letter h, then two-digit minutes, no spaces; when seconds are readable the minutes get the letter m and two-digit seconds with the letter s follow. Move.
12h15
